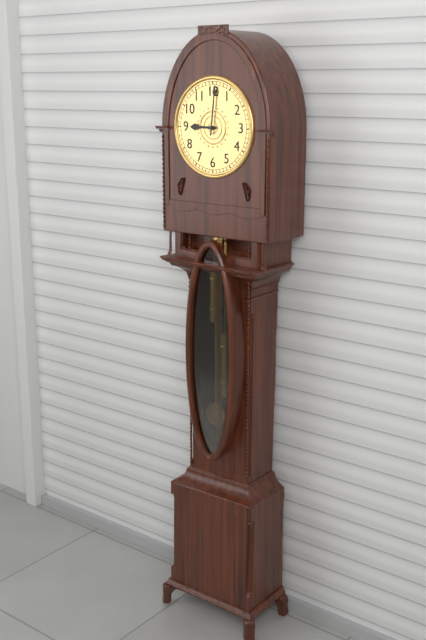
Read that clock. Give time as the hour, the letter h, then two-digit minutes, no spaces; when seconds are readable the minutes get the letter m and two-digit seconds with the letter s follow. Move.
9h01
